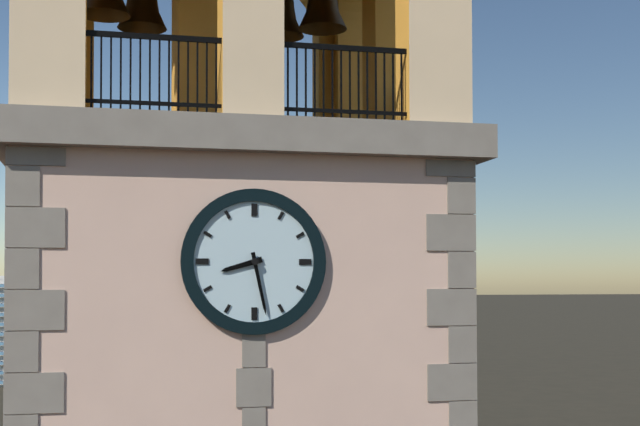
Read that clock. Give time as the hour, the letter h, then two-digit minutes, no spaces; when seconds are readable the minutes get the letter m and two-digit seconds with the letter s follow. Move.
8h28
